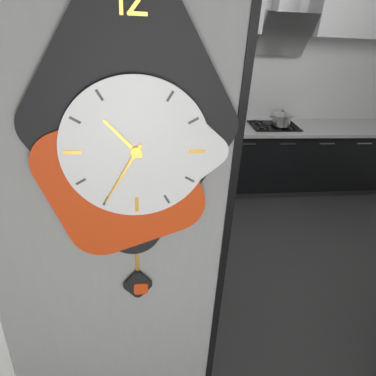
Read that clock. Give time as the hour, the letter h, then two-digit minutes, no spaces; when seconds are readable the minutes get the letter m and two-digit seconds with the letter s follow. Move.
10h35
